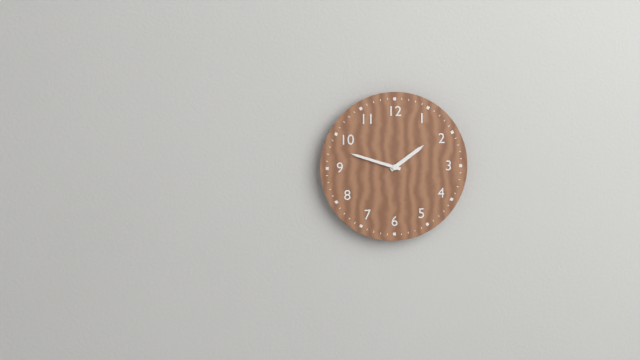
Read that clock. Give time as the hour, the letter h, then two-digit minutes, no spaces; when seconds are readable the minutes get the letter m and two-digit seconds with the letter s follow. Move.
1h48
